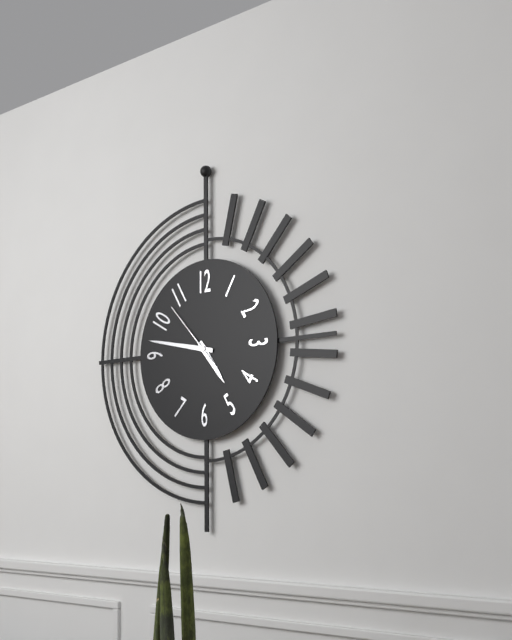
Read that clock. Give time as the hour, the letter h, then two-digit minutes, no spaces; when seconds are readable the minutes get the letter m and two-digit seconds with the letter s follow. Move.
4h47m53s
